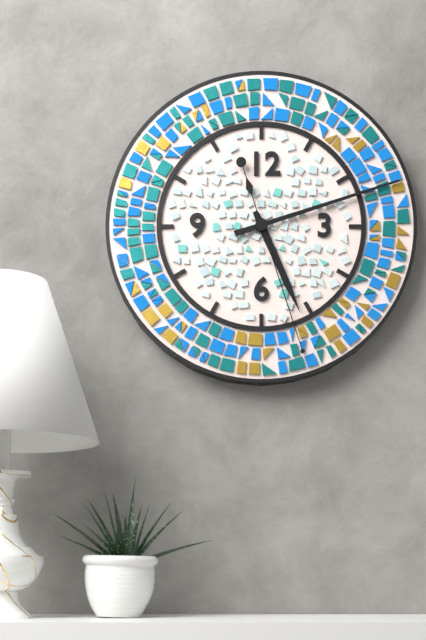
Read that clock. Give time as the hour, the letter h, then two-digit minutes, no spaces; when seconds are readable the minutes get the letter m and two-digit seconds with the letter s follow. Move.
5h12m27s
